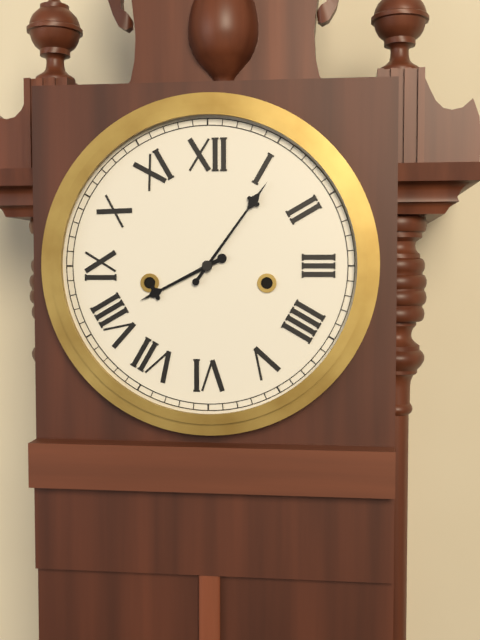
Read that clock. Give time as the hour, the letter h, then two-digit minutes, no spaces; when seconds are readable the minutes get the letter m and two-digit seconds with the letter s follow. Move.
8h06
